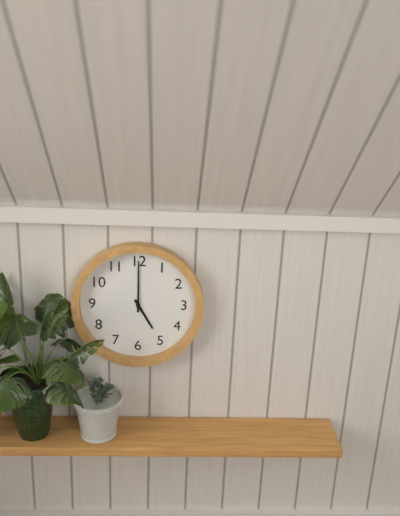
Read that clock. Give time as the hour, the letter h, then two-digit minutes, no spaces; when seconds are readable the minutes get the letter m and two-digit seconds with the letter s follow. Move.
5h00
